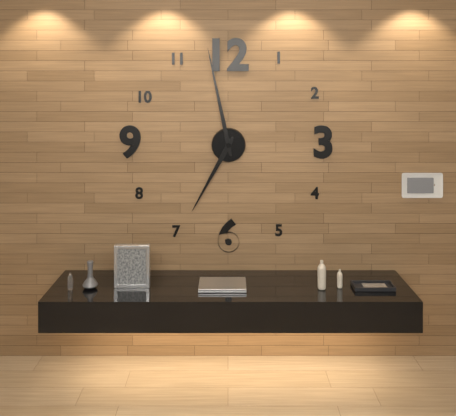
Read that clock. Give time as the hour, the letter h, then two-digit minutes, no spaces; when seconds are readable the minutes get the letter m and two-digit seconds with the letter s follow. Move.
6h58
